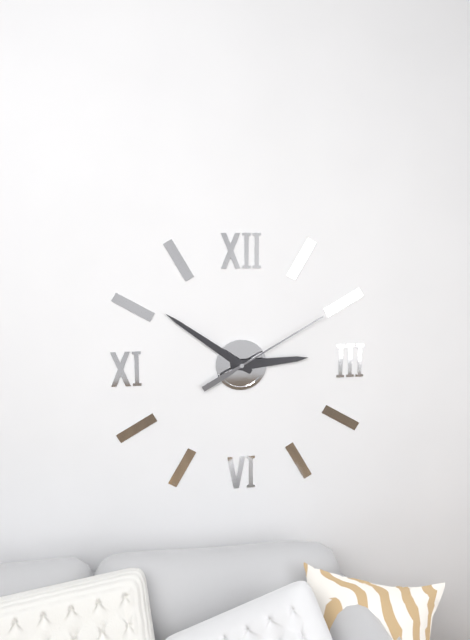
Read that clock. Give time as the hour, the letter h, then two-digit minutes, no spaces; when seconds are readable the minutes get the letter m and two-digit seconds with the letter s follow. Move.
2h51m10s
